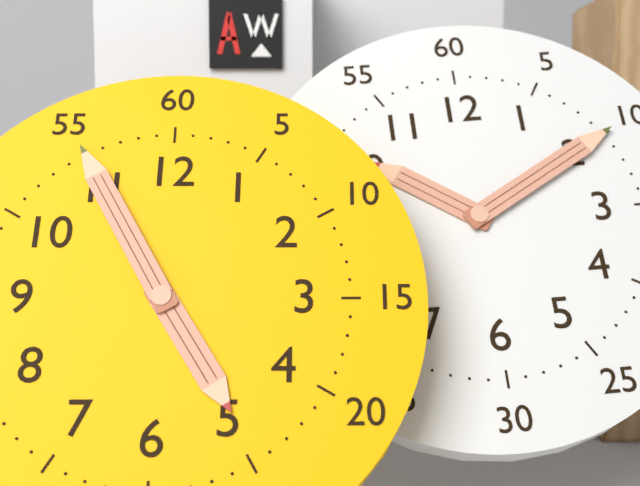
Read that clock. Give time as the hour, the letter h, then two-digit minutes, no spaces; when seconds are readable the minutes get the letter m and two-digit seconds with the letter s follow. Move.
4h55
